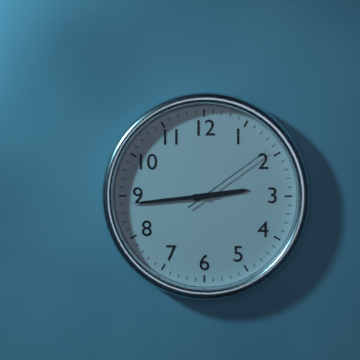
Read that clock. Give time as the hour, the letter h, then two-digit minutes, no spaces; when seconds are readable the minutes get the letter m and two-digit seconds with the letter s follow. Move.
2h44m09s
